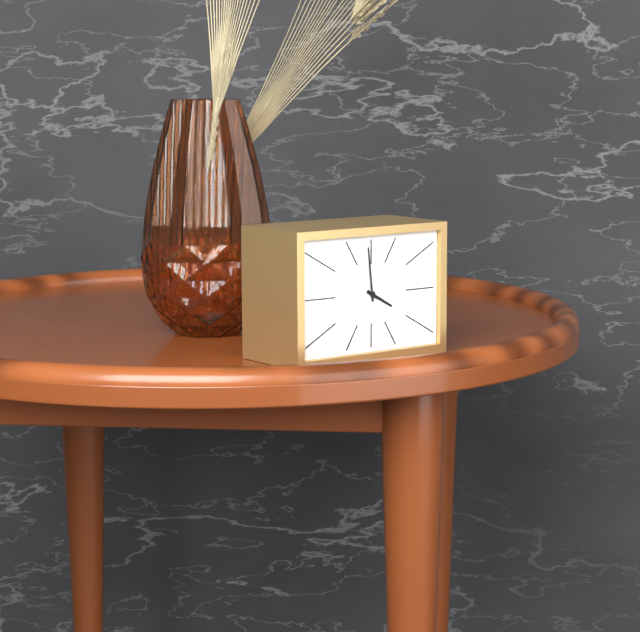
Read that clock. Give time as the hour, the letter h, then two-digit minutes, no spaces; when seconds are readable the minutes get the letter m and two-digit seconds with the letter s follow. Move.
3h59
